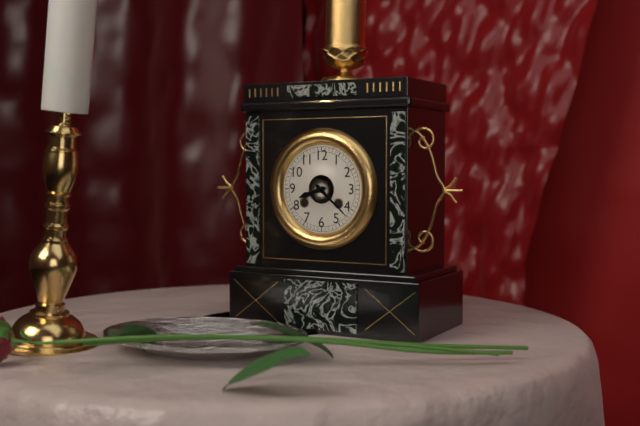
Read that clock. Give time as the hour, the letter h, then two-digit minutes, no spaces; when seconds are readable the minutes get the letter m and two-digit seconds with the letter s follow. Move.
8h22
